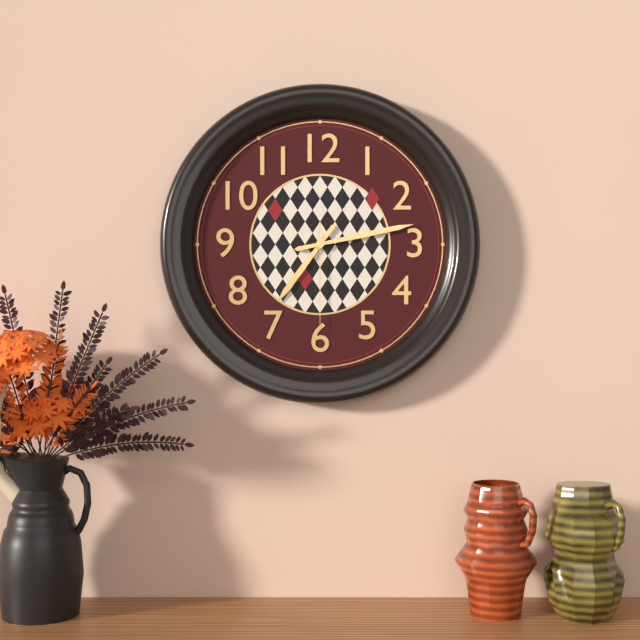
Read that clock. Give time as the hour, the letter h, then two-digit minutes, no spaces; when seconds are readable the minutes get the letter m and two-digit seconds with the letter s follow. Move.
7h13m30s
